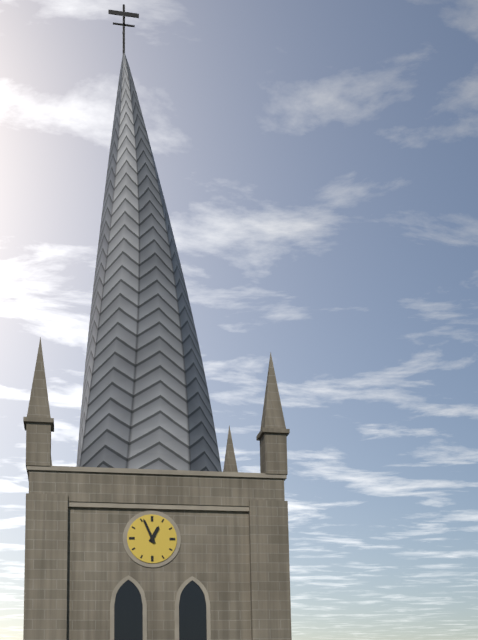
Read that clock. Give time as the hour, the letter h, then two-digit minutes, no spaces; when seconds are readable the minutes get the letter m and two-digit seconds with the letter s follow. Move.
12h56
